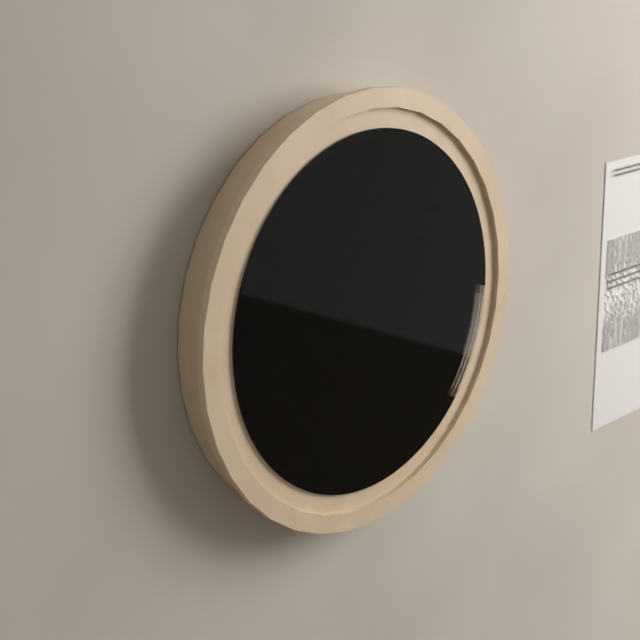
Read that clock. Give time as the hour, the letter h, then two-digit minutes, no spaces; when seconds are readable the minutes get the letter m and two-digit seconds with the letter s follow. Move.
2h53
